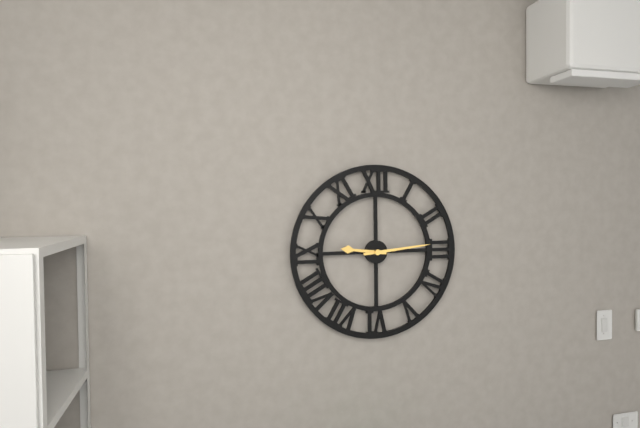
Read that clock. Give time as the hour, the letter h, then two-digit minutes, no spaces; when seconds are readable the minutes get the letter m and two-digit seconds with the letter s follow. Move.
9h14
